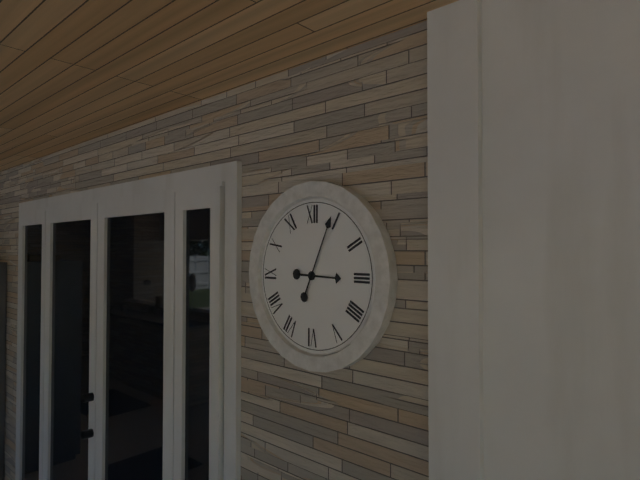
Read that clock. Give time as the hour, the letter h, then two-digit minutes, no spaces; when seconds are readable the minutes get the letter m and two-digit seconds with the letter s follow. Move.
3h04
